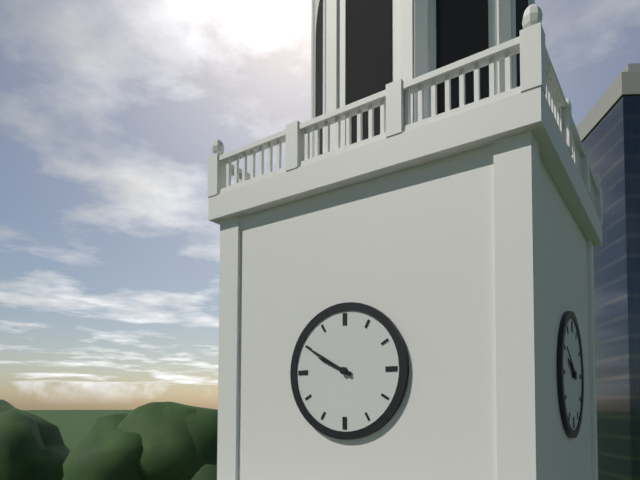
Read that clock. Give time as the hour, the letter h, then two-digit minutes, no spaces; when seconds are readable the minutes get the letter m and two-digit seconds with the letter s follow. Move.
9h50
